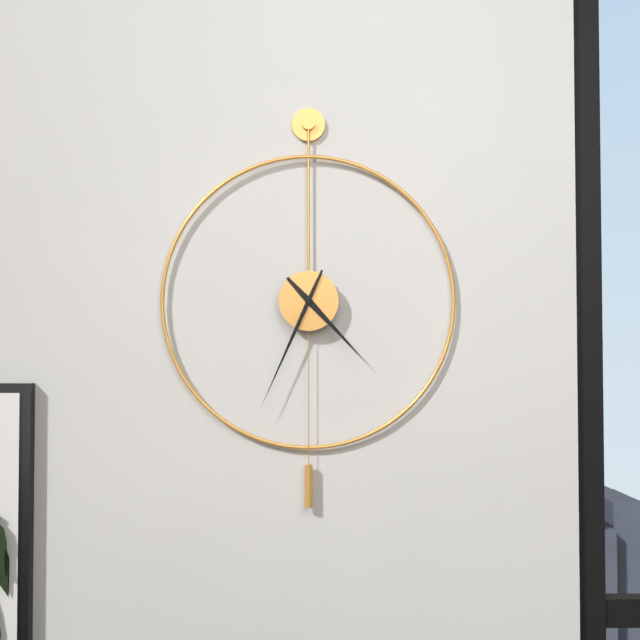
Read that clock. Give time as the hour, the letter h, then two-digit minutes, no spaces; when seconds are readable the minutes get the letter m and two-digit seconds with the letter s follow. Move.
4h34
